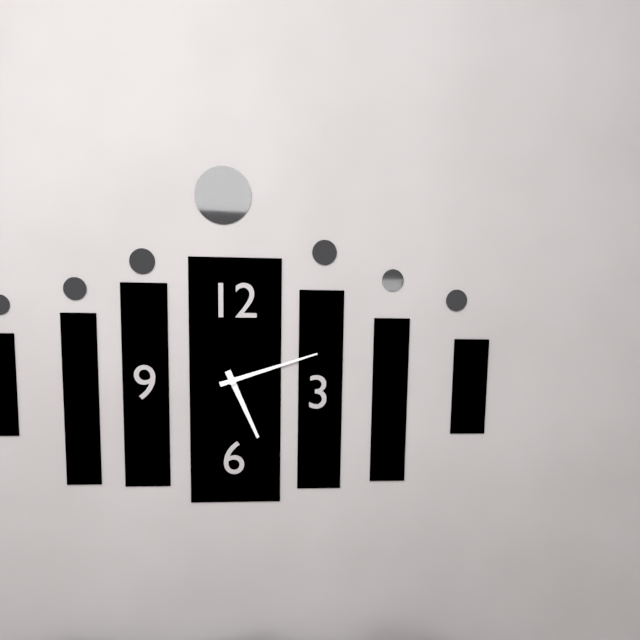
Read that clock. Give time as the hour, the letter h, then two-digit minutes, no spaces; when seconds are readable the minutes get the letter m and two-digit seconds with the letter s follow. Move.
5h12
